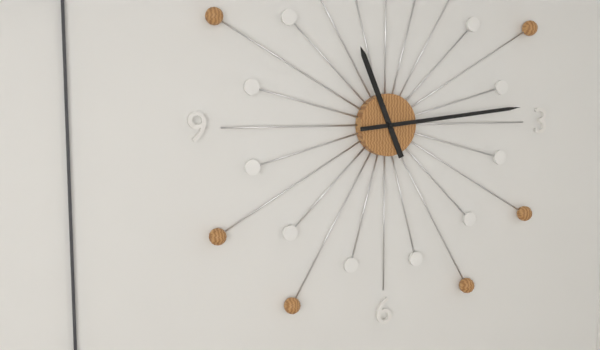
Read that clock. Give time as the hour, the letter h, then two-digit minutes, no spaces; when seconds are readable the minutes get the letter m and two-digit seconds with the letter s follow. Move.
11h14
